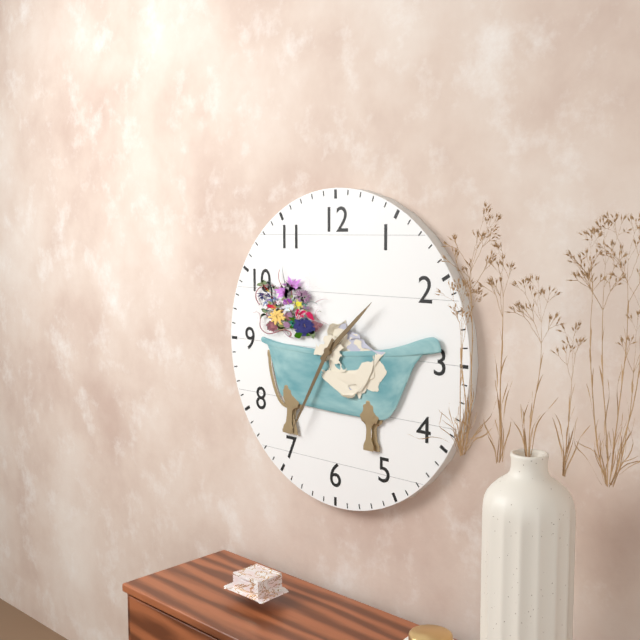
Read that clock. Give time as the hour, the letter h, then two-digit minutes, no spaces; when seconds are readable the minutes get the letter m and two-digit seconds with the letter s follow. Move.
1h35
